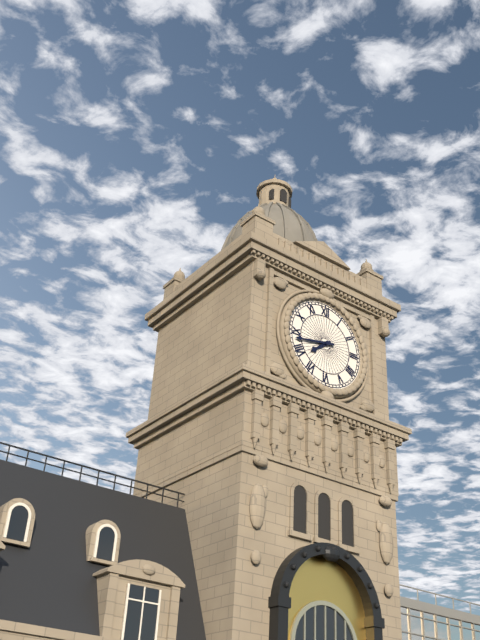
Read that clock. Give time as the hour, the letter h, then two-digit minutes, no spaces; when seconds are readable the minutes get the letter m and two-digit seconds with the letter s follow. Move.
7h43
